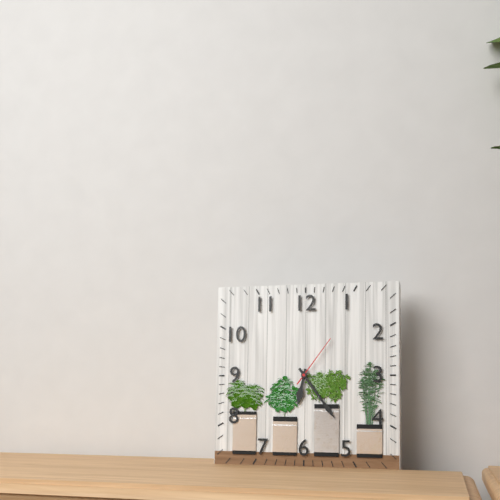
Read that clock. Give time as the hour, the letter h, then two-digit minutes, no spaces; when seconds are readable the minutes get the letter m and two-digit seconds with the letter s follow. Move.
6h24m06s
